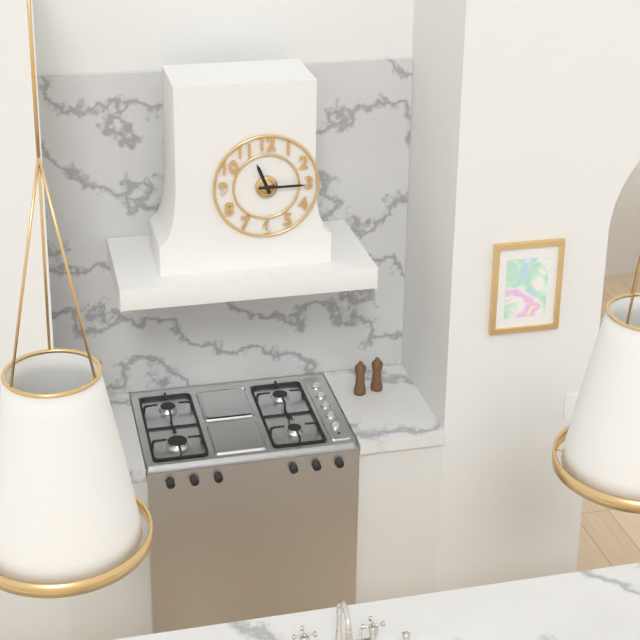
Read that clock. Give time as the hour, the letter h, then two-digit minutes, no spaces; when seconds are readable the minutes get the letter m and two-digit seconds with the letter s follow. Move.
11h15
